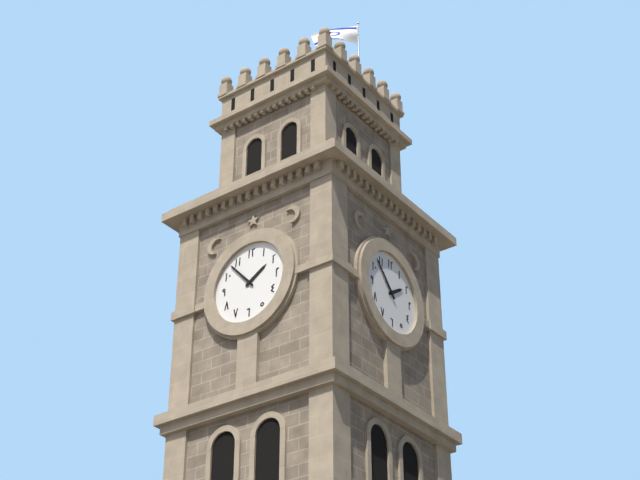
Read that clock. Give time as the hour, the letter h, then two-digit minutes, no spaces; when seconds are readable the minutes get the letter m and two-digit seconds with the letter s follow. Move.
1h53
